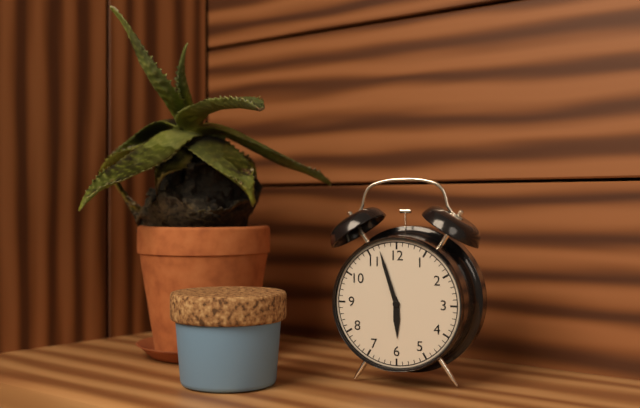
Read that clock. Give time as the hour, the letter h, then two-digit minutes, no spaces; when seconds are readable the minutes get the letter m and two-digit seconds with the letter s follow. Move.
5h57
